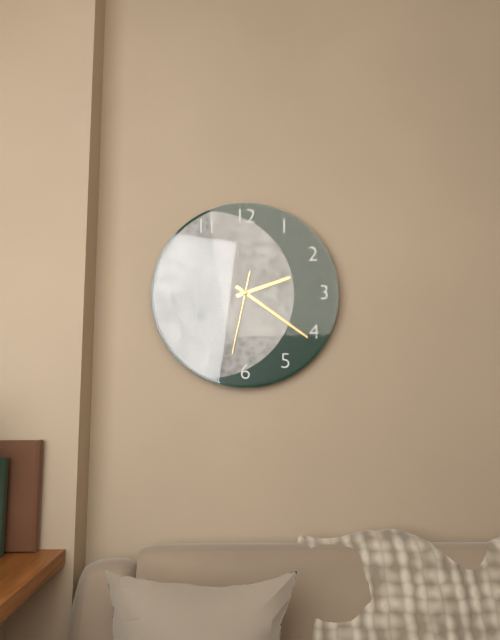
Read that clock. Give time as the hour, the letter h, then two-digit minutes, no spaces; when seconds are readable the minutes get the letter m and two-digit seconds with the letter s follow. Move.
2h21m32s
